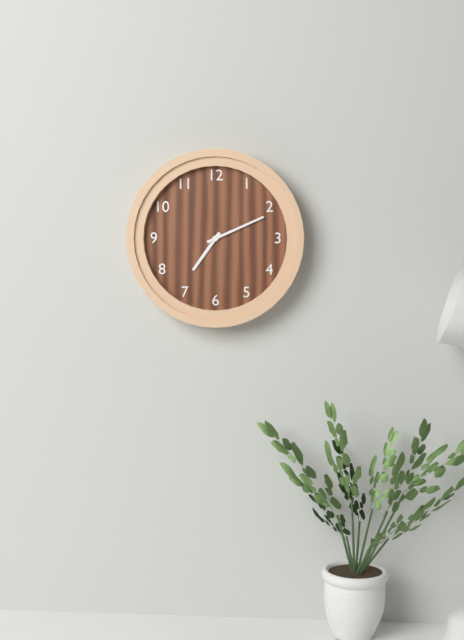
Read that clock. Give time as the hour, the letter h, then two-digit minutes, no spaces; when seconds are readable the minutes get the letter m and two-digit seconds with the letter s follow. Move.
7h11
